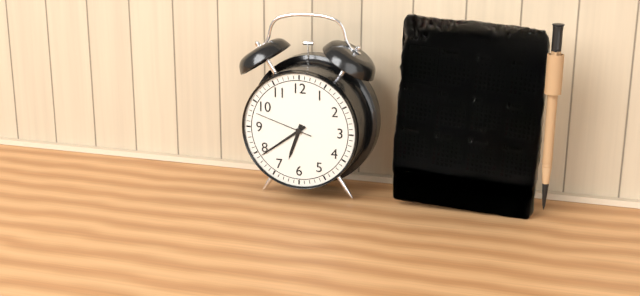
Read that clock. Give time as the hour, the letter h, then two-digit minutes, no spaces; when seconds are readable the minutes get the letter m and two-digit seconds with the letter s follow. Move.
6h39m48s
